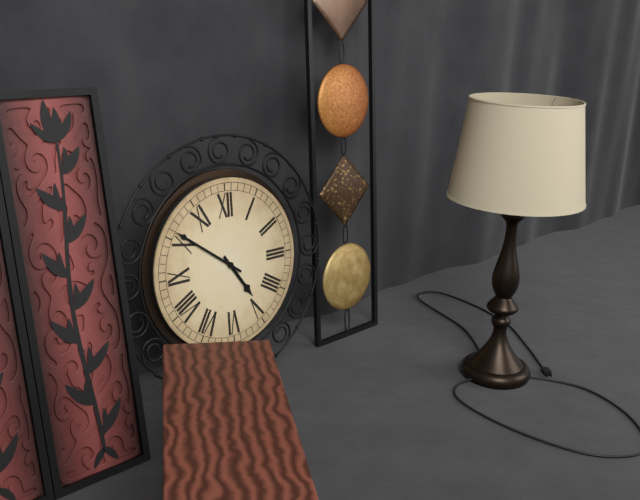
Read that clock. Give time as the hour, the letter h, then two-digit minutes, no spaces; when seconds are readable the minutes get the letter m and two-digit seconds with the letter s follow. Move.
4h51
